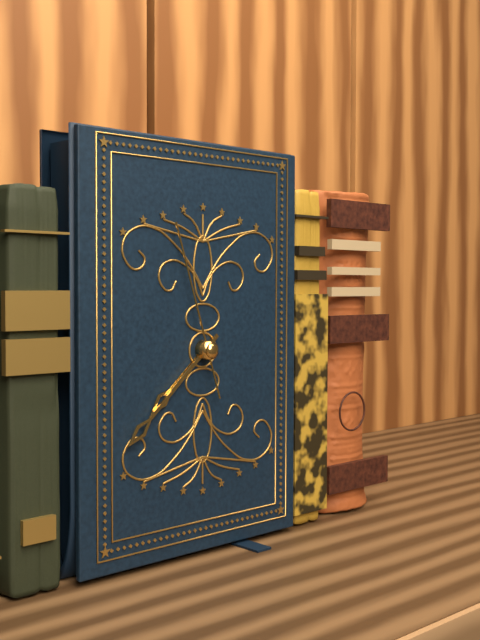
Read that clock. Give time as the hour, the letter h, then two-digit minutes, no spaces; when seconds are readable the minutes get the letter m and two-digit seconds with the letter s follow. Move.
7h38m57s
